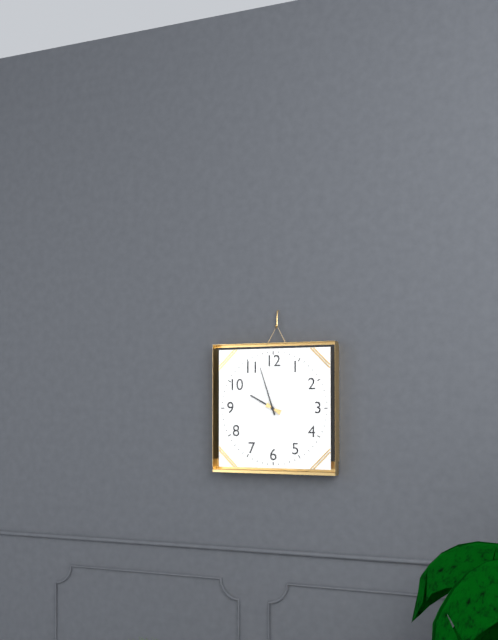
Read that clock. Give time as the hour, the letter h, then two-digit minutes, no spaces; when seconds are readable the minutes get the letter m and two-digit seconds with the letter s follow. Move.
9h57
